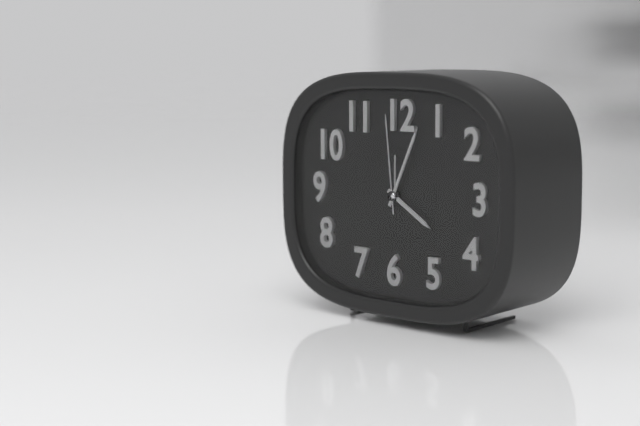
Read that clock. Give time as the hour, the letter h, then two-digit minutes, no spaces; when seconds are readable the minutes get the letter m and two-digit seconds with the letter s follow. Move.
4h04m59s
